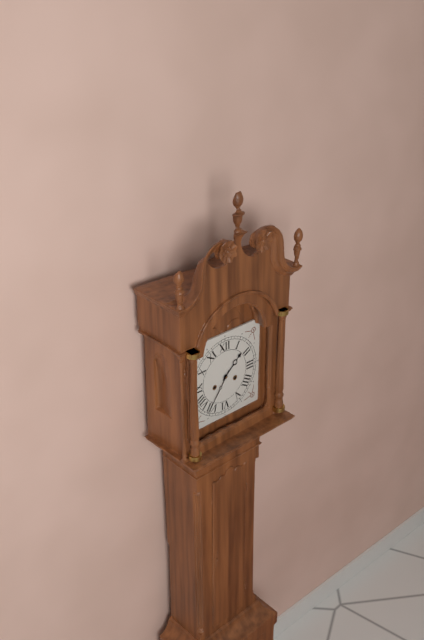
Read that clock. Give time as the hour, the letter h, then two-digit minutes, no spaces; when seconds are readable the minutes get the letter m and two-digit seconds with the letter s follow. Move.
1h36
